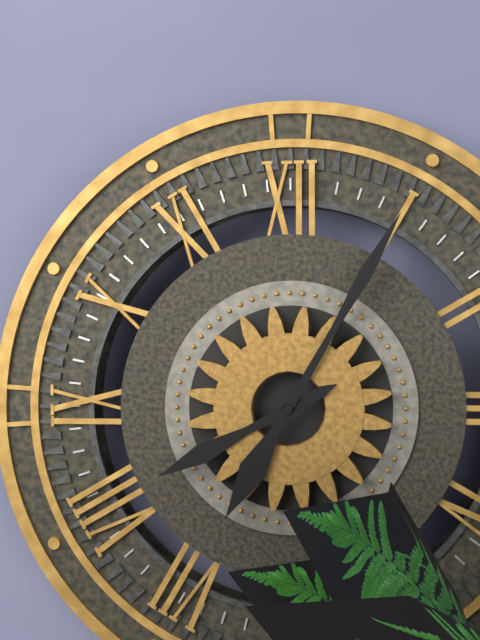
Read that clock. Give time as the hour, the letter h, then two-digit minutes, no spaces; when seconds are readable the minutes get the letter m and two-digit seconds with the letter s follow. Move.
8h05
